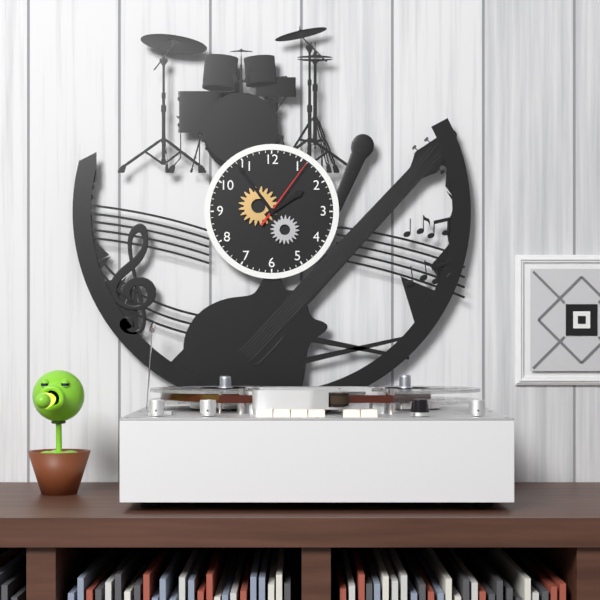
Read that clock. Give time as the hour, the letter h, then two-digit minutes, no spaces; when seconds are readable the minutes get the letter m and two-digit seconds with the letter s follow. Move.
1h54m06s
